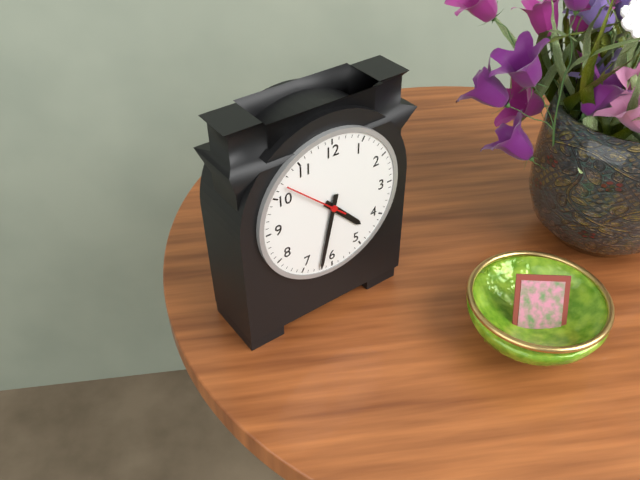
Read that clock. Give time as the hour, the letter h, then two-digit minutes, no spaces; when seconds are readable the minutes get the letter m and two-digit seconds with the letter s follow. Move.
4h32m52s
